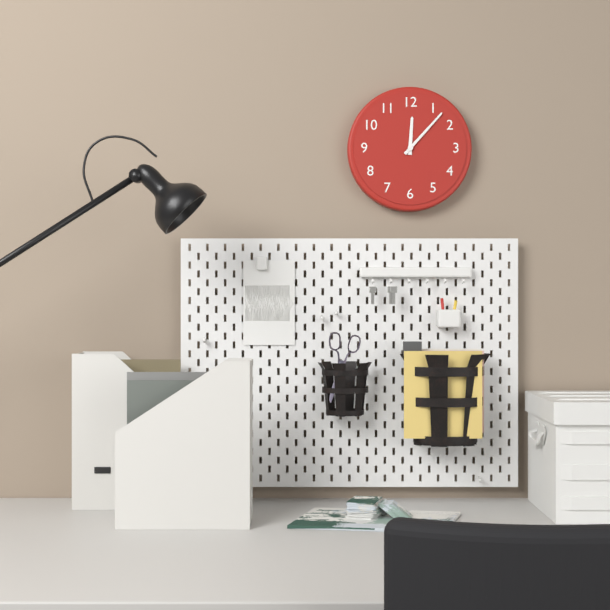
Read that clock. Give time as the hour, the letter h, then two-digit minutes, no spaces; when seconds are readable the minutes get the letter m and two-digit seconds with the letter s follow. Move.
12h07
